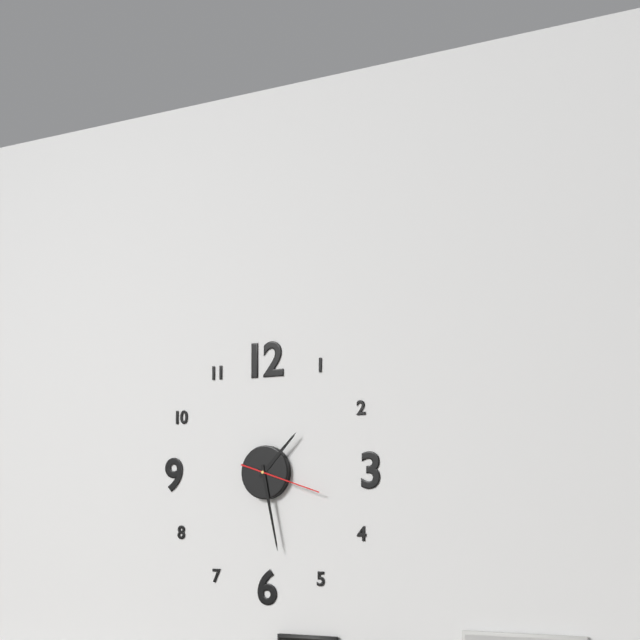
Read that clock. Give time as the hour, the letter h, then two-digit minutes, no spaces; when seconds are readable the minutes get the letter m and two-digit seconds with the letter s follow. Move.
1h28m18s
